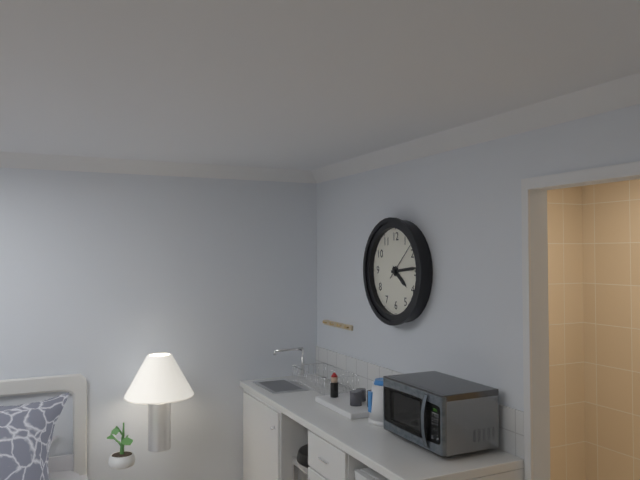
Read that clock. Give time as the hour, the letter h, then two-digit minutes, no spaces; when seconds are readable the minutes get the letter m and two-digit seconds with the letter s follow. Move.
4h14
